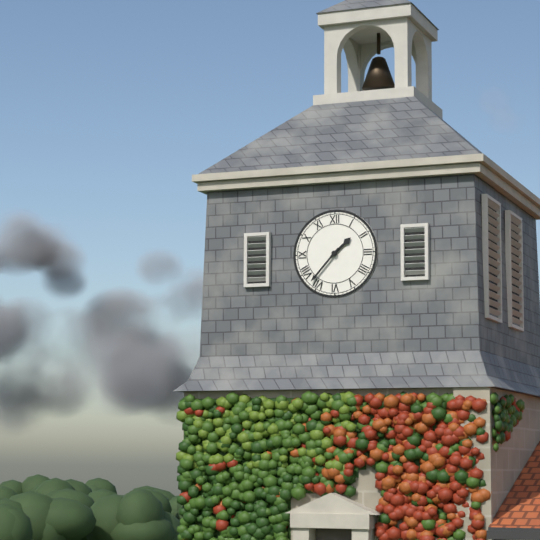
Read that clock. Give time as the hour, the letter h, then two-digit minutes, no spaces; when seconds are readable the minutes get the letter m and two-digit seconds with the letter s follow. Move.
1h37
